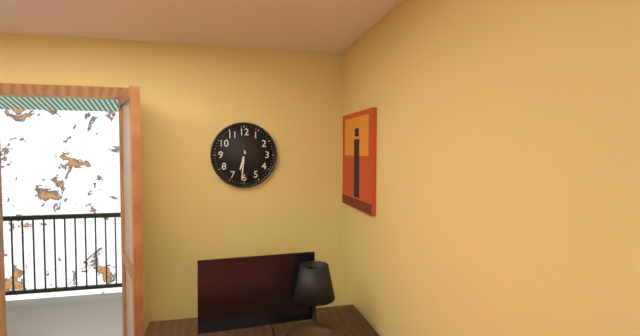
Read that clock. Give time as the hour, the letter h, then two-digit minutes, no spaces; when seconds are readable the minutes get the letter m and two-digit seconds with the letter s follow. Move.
6h31
